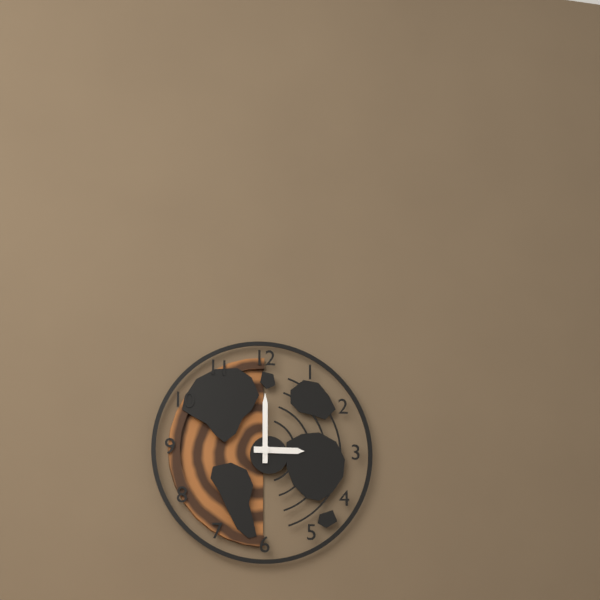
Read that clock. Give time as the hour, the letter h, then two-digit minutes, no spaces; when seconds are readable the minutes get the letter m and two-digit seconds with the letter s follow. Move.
3h00
